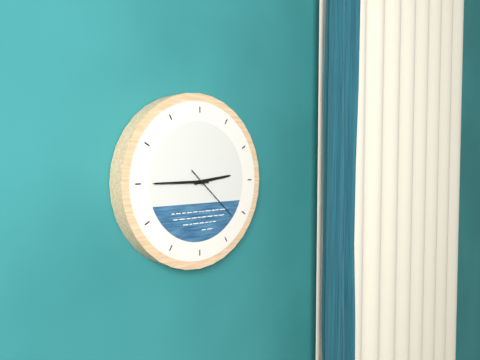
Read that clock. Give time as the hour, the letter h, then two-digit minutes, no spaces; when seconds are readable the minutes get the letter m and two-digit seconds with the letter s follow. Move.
2h45m22s
